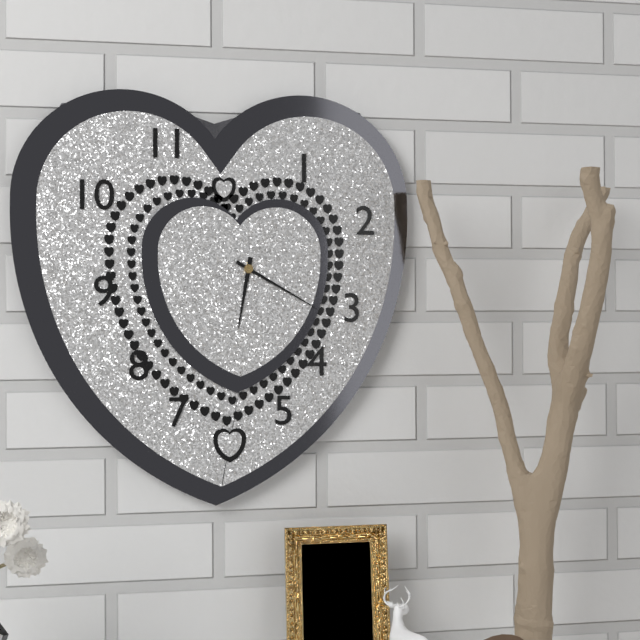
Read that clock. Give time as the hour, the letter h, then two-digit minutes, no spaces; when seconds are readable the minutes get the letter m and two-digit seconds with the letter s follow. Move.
6h20
